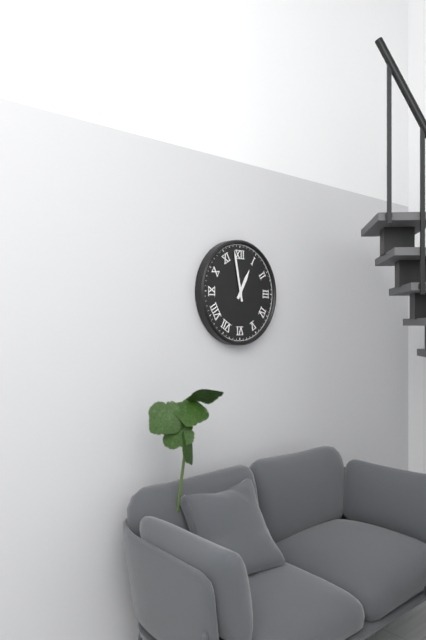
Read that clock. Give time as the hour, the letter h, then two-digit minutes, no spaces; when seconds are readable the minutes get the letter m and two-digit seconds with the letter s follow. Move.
12h58
